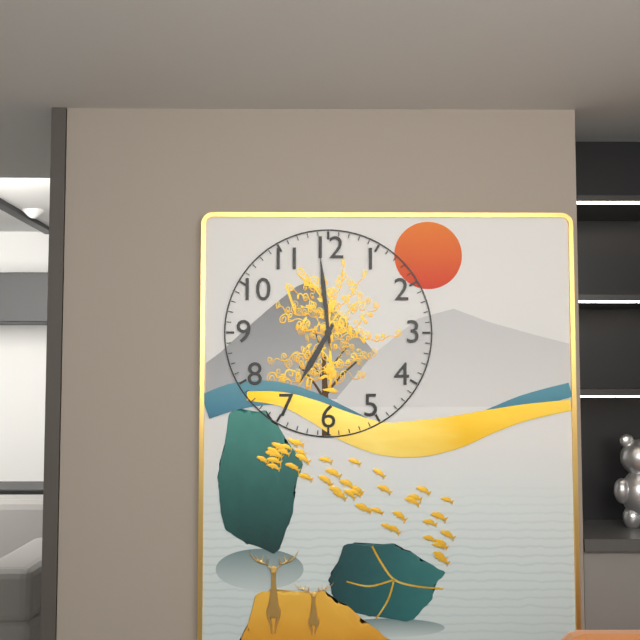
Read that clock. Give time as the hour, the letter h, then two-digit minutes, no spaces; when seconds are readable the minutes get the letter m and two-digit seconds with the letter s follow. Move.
6h59m59s
